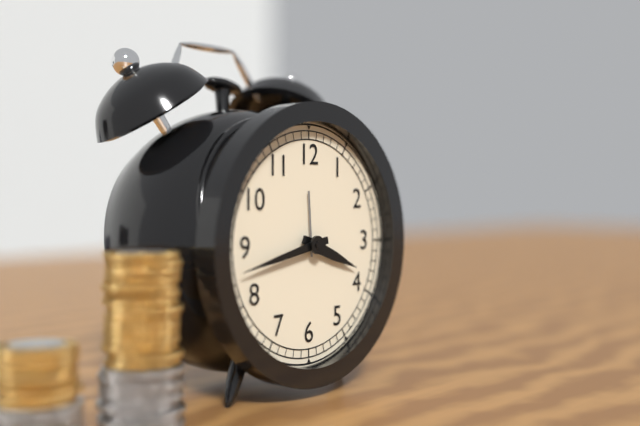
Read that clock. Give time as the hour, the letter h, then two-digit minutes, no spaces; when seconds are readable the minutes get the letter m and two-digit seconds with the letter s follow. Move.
3h43
